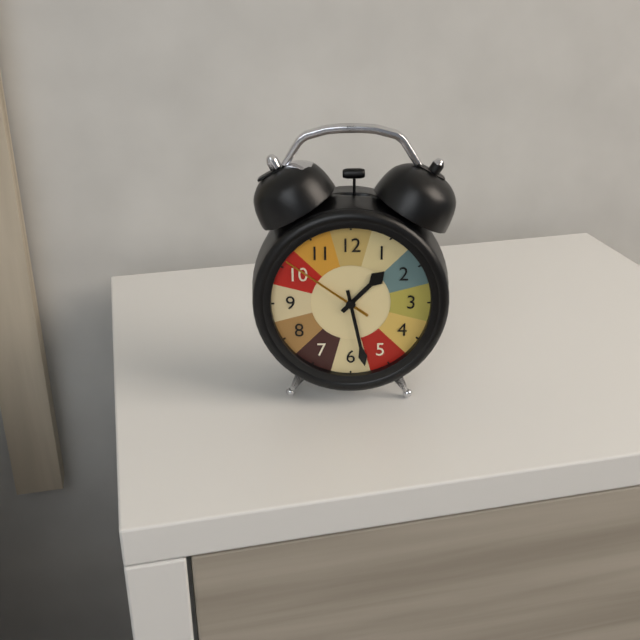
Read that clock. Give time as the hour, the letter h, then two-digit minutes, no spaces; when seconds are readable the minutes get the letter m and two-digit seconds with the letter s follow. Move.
1h28m51s
